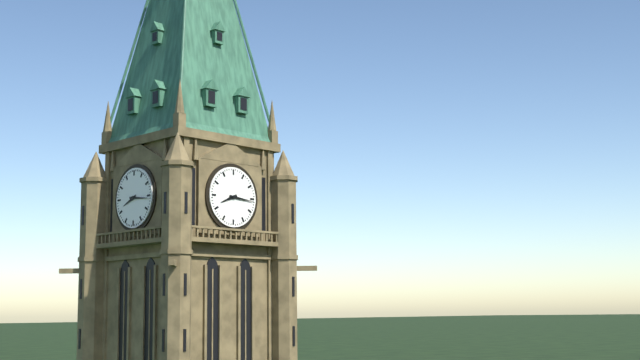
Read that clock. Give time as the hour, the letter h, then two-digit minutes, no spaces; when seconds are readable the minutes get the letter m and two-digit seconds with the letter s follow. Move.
8h16
